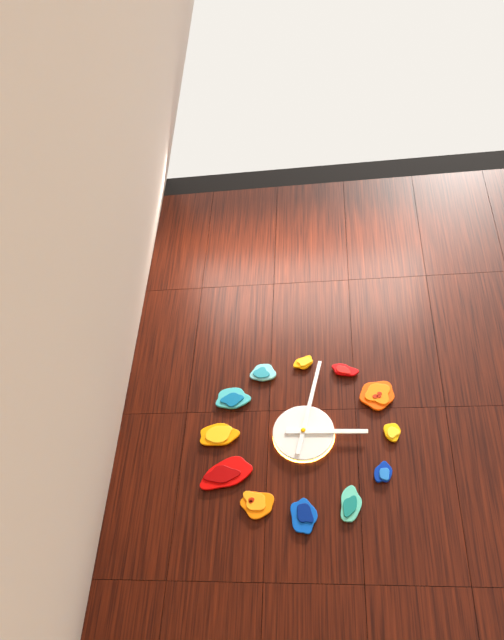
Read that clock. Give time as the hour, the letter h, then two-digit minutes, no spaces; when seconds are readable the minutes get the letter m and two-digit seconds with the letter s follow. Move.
3h02
